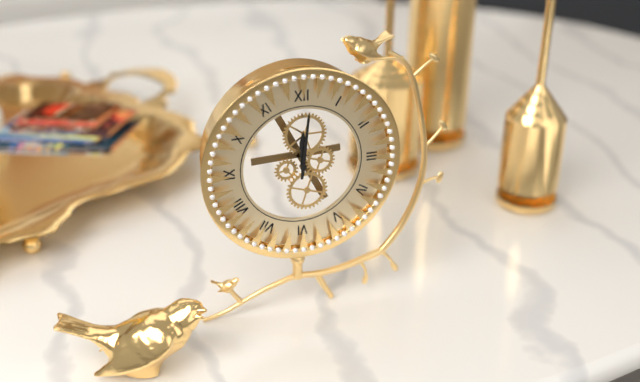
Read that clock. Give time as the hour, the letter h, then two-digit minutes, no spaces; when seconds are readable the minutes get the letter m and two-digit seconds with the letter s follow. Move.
12h01
